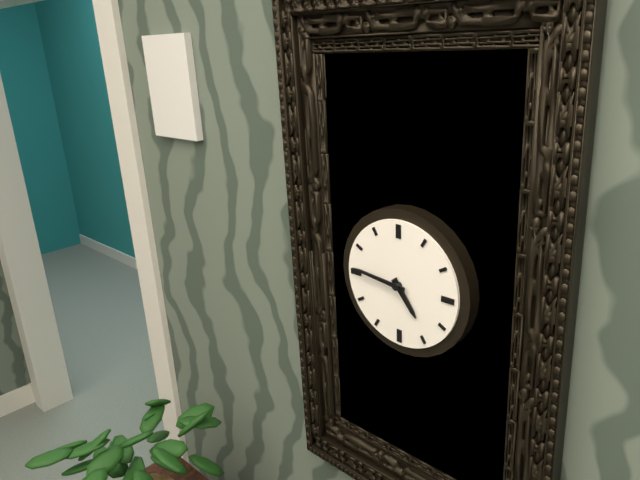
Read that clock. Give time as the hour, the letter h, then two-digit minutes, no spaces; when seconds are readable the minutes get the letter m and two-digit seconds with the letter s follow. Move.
4h46
